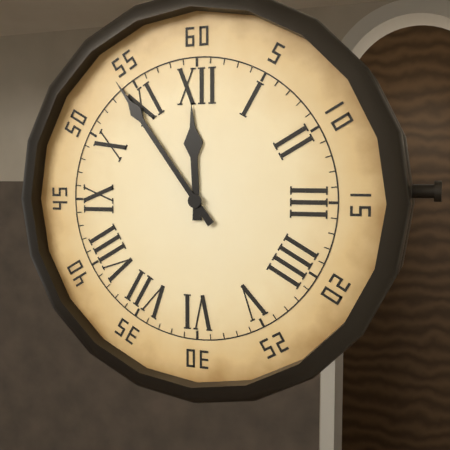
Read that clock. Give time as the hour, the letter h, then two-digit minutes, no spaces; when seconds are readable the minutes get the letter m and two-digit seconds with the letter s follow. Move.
11h54
